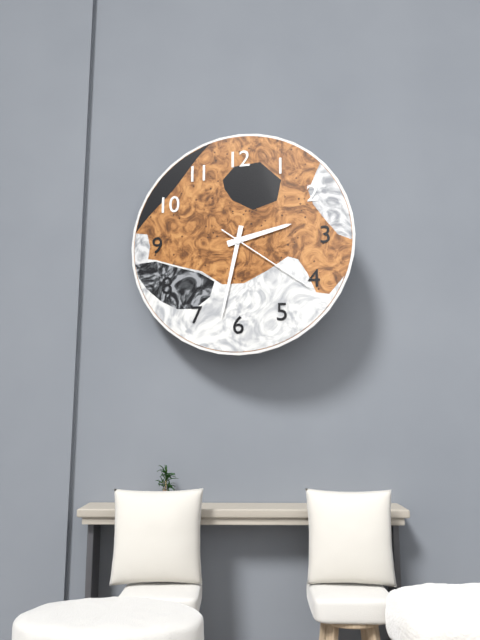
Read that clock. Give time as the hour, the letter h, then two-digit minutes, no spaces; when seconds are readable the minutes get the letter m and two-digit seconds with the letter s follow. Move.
2h32m21s
